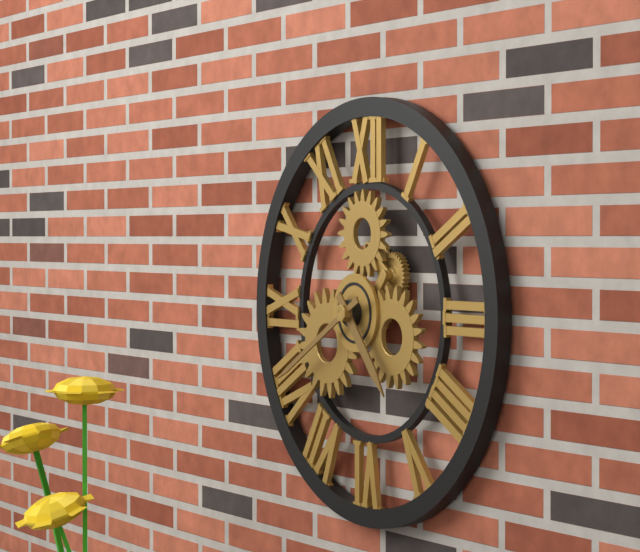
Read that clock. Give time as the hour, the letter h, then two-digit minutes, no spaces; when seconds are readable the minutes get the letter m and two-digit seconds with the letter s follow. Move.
4h40
